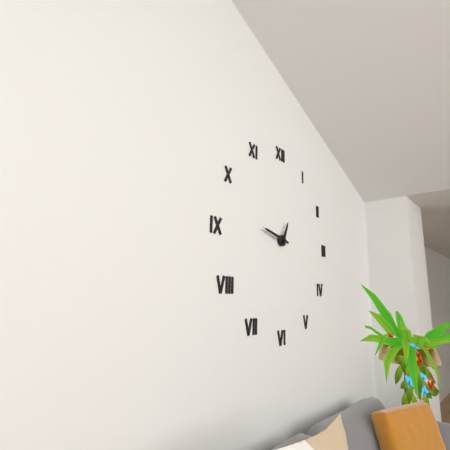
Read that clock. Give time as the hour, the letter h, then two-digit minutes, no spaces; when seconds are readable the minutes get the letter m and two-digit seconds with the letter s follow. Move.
12h47
